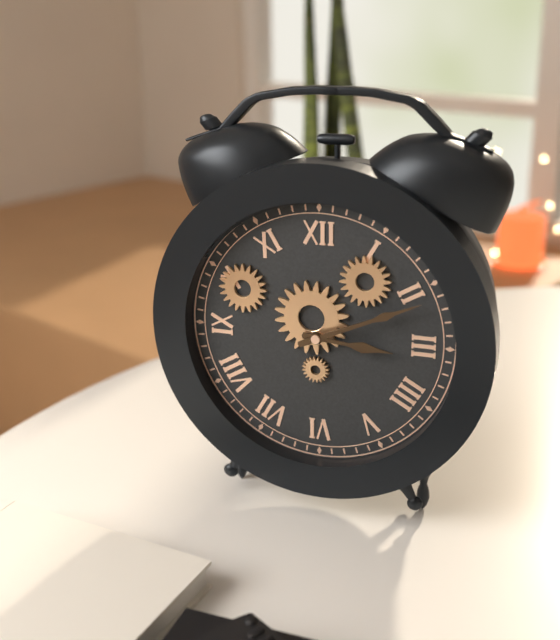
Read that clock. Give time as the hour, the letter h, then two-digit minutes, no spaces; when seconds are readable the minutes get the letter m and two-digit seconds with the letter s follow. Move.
3h11
